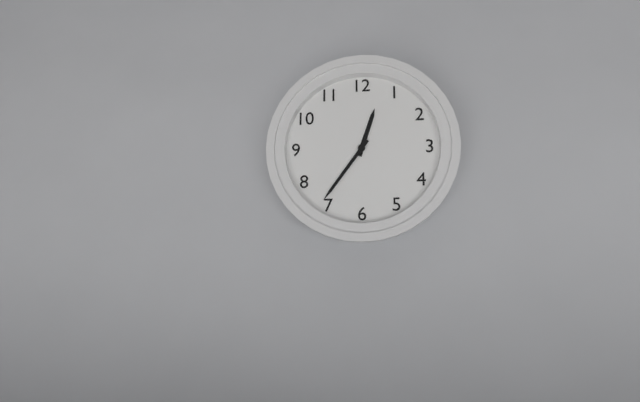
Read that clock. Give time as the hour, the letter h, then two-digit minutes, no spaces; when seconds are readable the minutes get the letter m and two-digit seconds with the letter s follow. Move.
12h36
